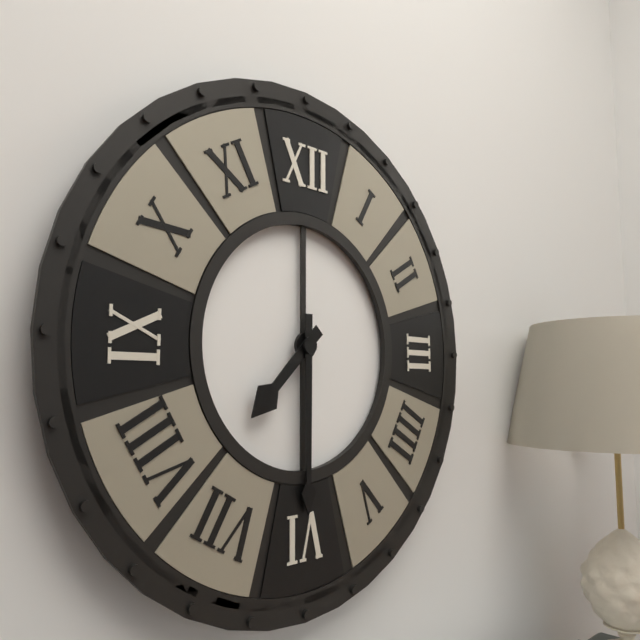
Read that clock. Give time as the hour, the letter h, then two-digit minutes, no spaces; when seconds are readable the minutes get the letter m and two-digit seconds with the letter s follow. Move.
7h30
